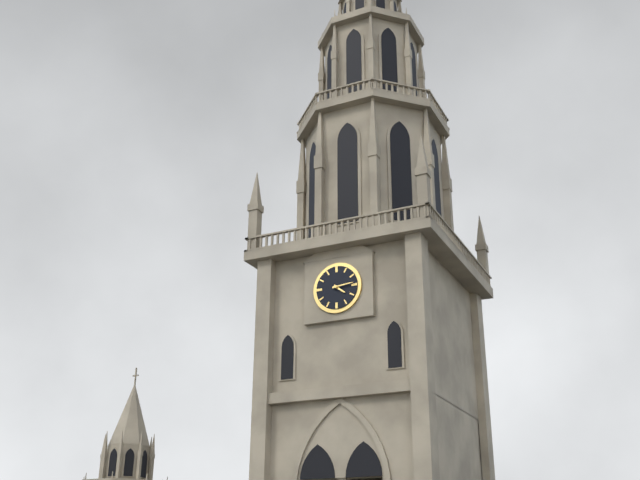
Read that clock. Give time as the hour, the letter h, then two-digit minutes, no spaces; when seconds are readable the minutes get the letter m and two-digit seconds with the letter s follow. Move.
4h14
